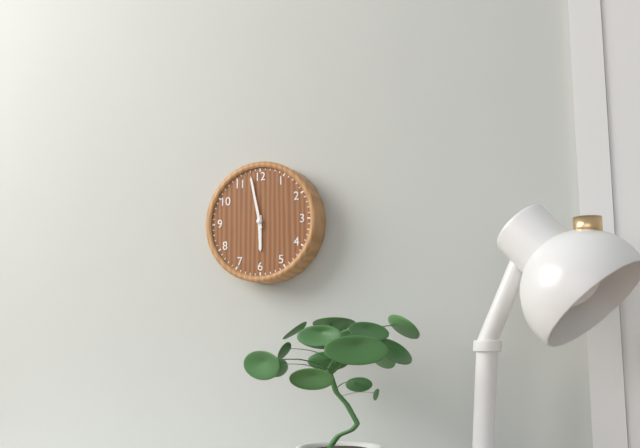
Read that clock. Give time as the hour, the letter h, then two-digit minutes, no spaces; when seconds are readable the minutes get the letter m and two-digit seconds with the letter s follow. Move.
5h58
